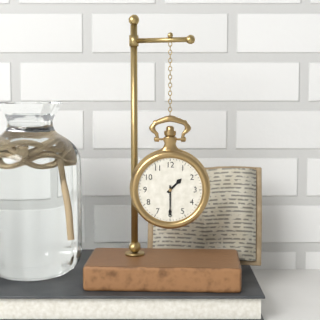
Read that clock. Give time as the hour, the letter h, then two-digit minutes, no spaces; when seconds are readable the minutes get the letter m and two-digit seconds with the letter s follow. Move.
1h30
